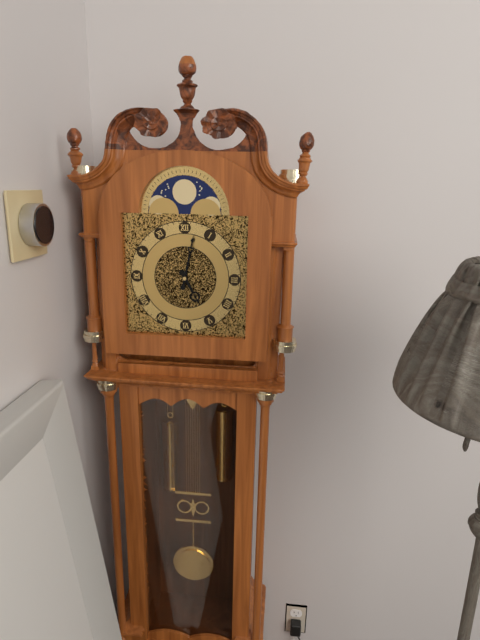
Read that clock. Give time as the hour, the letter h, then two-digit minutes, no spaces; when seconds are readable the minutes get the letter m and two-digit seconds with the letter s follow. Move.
5h02
